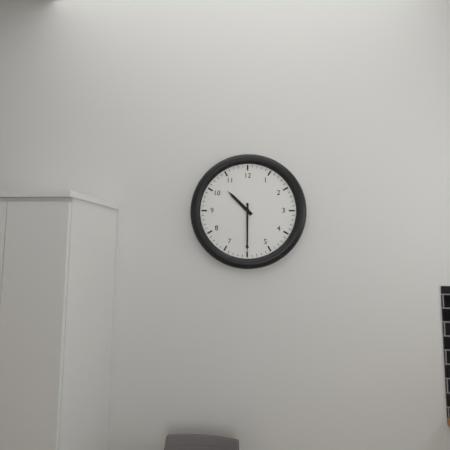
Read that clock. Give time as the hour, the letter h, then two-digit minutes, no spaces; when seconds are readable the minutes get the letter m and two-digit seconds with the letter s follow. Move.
10h30
